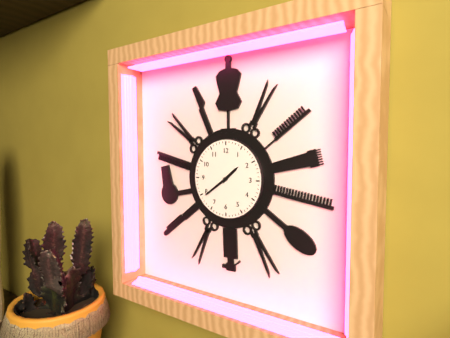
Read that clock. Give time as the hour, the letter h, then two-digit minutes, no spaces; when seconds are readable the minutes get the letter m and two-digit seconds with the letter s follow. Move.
1h39
